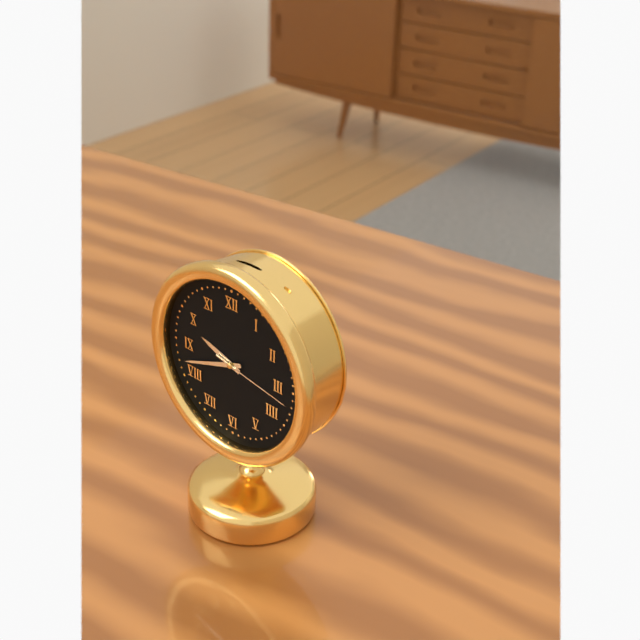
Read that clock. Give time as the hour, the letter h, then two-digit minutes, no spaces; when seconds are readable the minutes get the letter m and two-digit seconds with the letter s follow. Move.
9h42m17s
